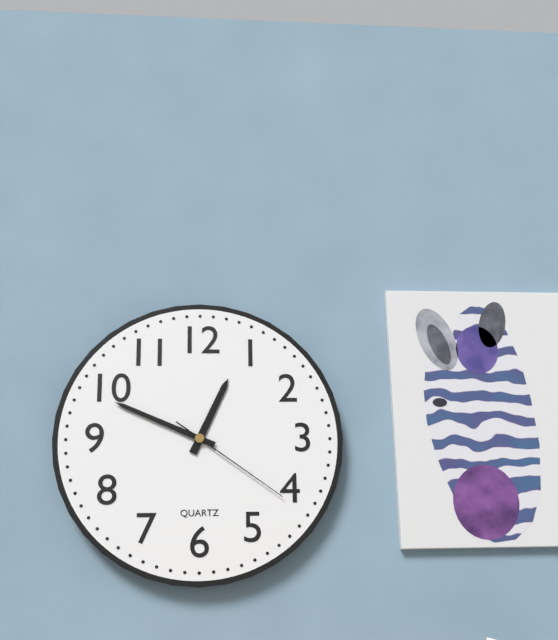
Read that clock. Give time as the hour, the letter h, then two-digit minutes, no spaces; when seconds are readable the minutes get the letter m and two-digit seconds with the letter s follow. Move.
12h49m21s
